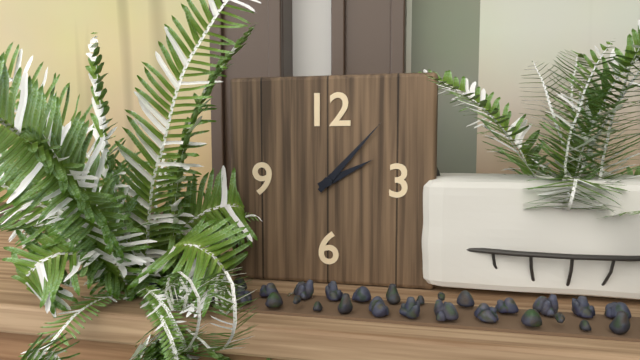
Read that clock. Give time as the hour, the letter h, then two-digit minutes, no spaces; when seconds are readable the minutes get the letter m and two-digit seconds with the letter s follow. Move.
2h07
